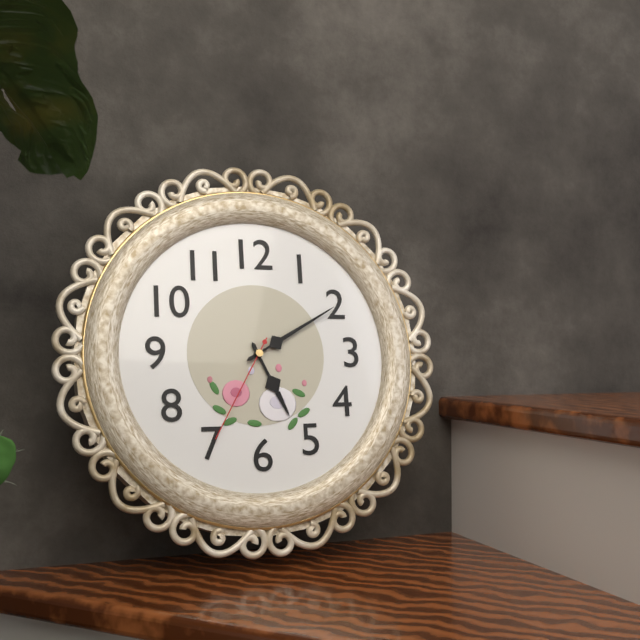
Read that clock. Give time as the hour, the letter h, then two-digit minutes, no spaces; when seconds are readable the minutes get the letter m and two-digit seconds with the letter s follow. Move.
5h10m35s
